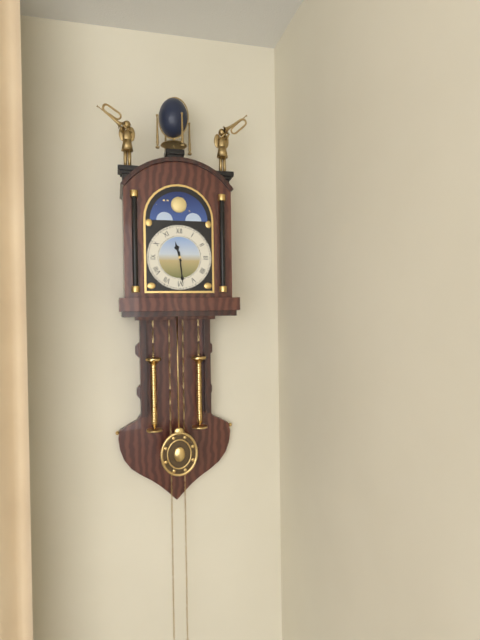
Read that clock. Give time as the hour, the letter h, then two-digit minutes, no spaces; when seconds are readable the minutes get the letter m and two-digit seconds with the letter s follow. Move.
11h29
